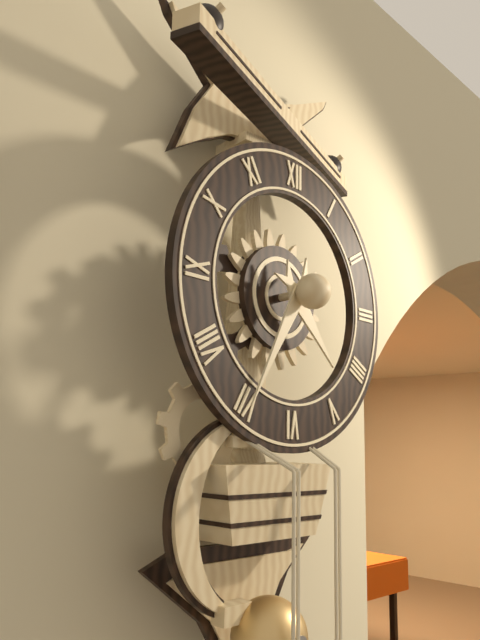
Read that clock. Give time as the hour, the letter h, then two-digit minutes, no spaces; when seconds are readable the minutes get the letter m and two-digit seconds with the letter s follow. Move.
4h35
